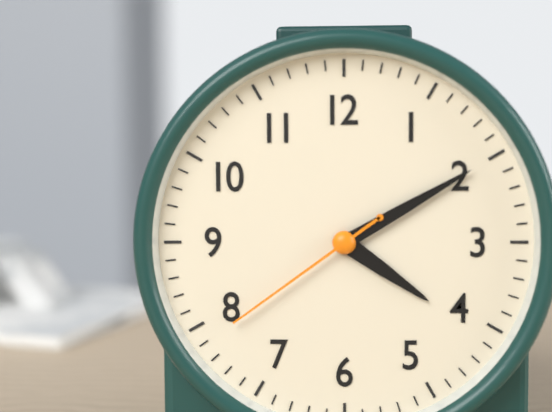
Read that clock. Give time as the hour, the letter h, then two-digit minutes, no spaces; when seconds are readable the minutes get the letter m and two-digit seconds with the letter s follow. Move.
4h10m39s
